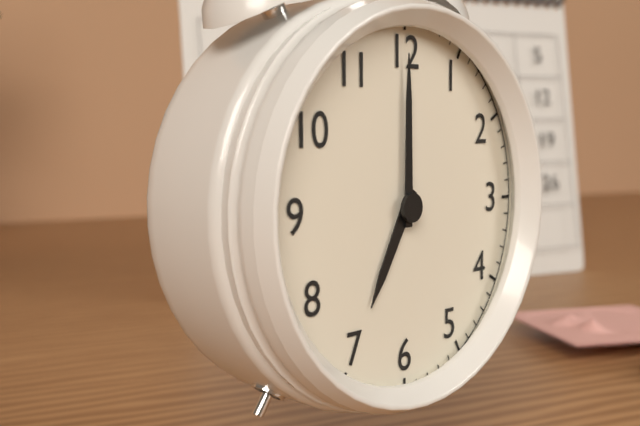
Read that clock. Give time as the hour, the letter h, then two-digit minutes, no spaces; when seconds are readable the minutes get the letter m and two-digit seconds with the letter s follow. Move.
7h00
